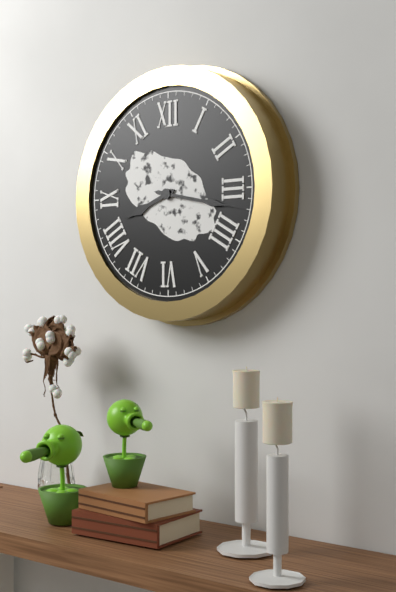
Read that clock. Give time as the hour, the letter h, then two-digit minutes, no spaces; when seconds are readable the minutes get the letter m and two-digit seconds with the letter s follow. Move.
8h17
